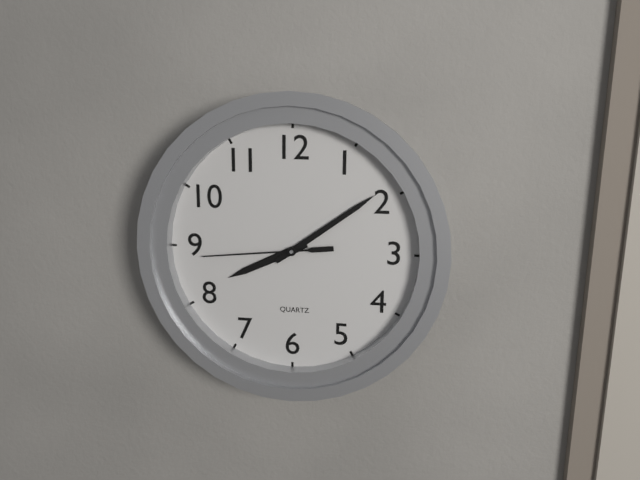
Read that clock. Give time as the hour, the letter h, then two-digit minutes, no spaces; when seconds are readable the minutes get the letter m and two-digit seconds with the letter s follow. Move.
8h09m44s
